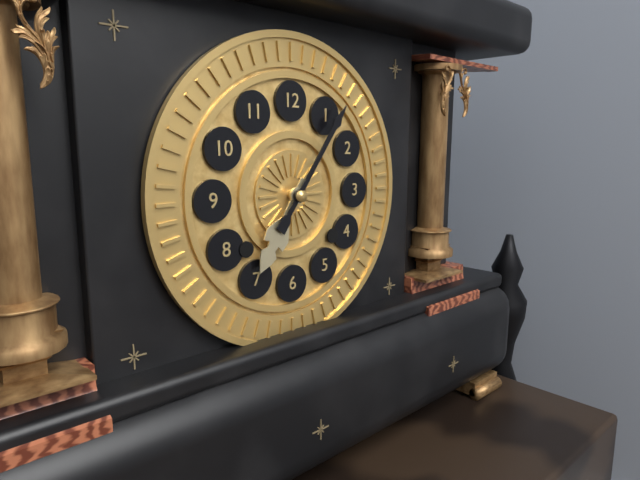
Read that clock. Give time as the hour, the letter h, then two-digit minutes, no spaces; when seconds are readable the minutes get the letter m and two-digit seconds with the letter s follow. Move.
7h06
